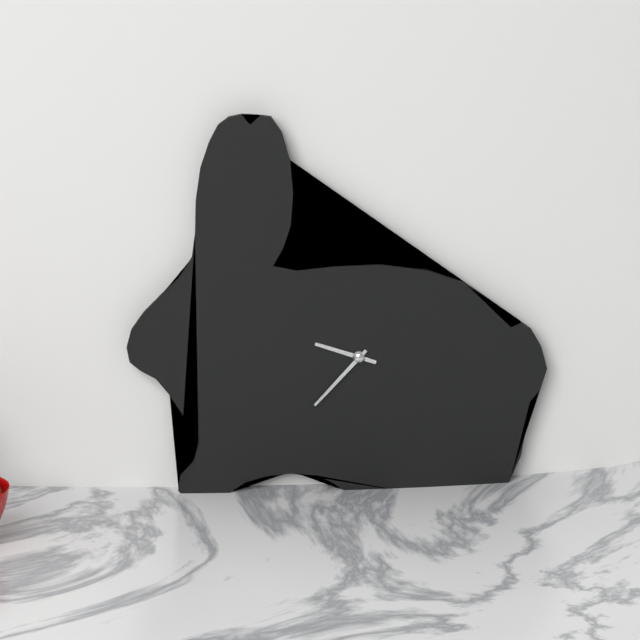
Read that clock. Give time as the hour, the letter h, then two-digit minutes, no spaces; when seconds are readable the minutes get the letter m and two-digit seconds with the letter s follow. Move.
9h37
